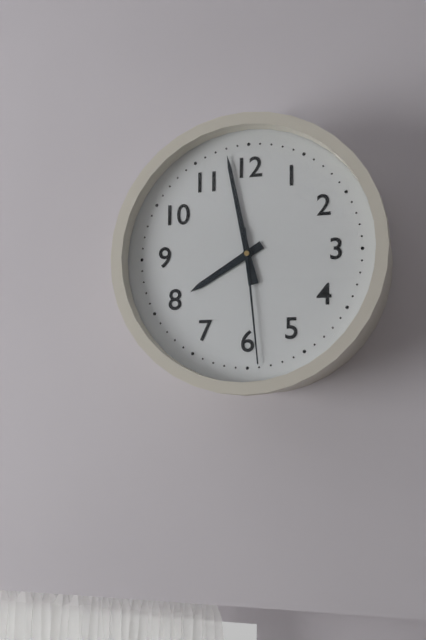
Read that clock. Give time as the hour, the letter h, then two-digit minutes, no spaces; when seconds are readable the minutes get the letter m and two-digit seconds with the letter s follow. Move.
7h58m29s
